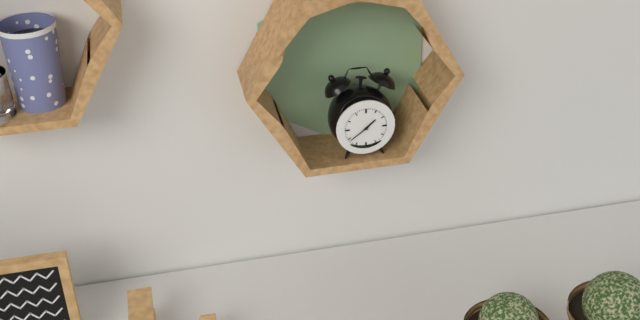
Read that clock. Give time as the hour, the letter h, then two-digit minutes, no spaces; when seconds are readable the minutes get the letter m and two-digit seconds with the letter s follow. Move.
1h39
